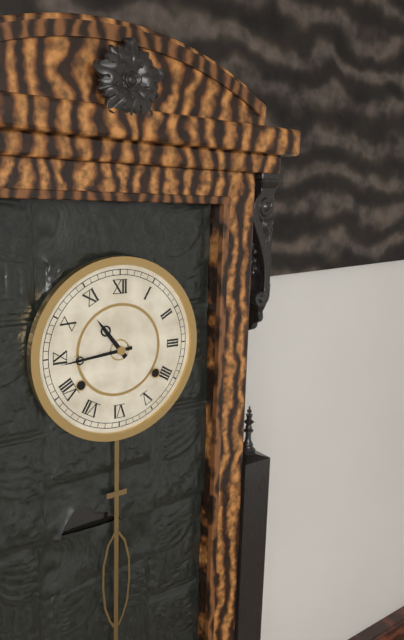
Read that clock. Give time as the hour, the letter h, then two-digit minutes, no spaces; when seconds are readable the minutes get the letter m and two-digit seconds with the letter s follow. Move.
10h44
